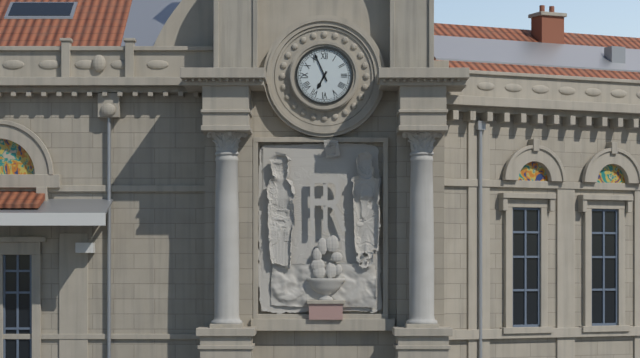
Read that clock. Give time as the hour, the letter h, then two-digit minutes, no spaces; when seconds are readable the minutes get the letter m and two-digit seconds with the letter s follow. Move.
6h56
